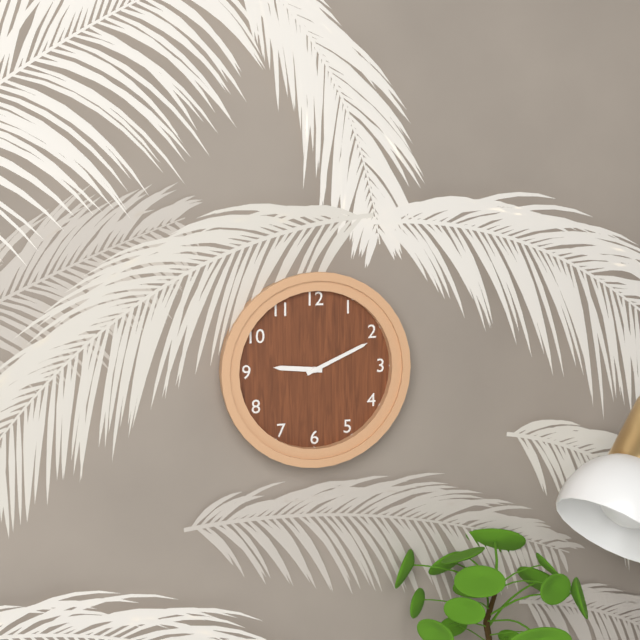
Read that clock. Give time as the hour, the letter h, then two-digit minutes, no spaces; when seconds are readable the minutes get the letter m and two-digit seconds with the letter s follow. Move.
9h11
